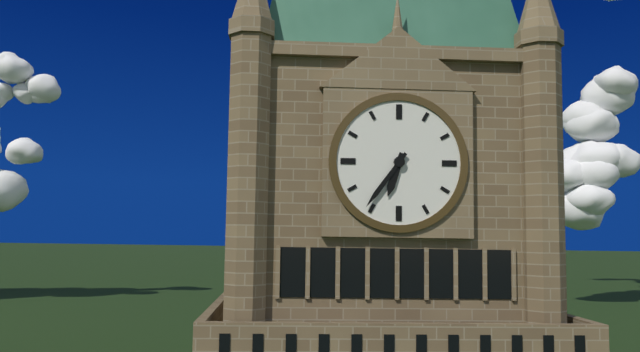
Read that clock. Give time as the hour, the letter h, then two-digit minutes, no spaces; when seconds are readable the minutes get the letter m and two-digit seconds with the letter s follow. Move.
6h36
